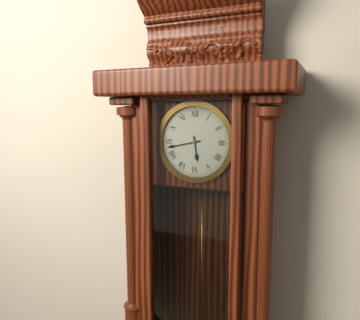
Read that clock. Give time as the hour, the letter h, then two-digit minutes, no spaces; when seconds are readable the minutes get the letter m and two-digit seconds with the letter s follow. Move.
5h43
